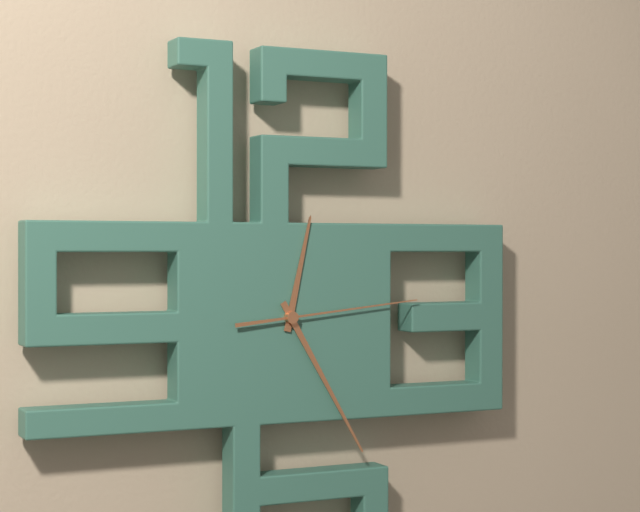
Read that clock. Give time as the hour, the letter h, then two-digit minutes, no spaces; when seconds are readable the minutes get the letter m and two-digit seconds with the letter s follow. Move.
12h25m14s
